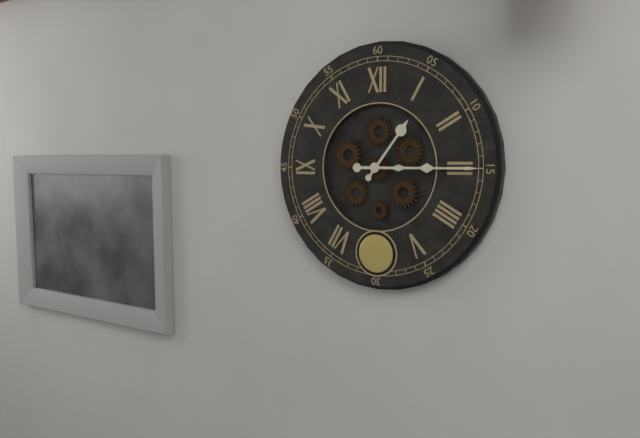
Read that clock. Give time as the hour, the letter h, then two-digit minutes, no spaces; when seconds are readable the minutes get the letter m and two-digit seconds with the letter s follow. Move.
1h15
